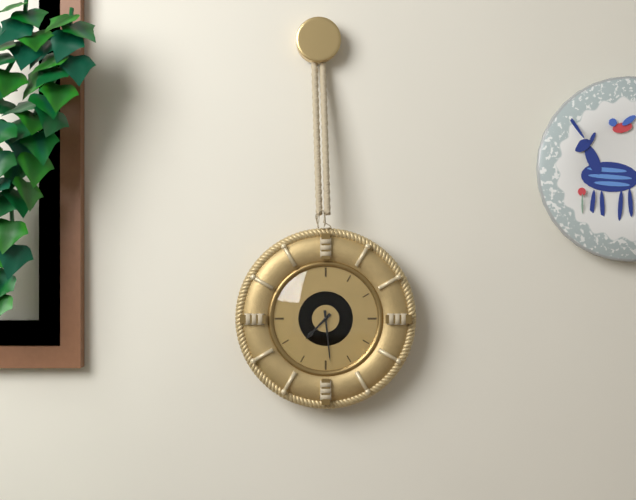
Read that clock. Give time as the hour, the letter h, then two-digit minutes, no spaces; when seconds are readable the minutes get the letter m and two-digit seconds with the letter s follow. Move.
7h29
